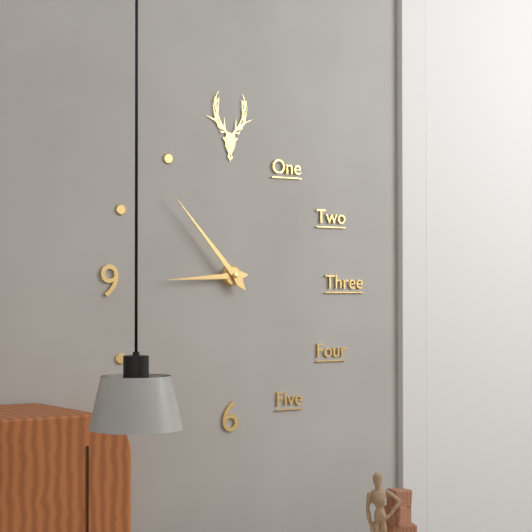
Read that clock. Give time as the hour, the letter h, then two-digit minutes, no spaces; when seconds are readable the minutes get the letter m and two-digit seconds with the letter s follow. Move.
8h53
